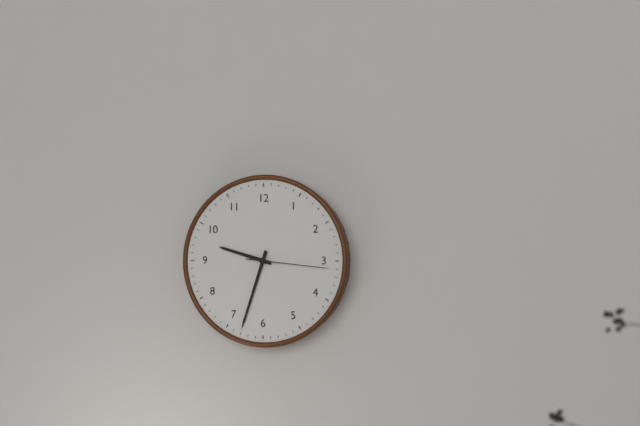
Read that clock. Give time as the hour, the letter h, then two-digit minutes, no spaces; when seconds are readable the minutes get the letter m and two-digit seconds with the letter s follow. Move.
9h33m16s
